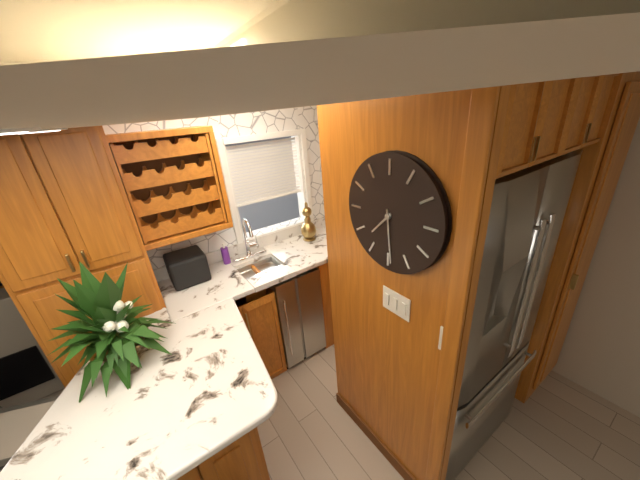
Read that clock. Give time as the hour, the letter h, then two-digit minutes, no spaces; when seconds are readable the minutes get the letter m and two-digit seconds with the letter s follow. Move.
7h29
